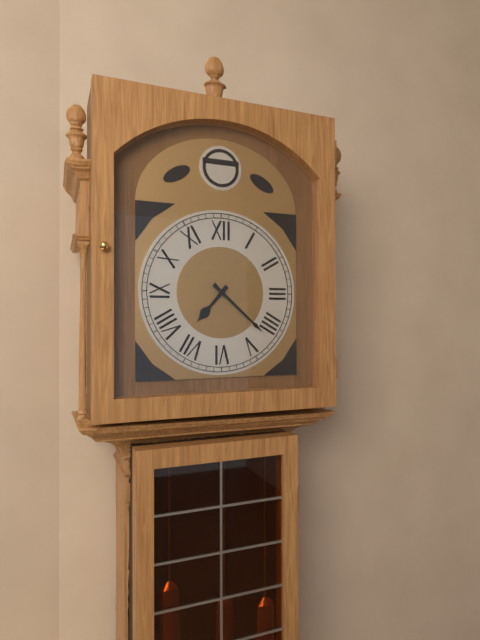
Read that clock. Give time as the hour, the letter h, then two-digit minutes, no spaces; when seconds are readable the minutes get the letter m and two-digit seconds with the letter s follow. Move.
7h22
